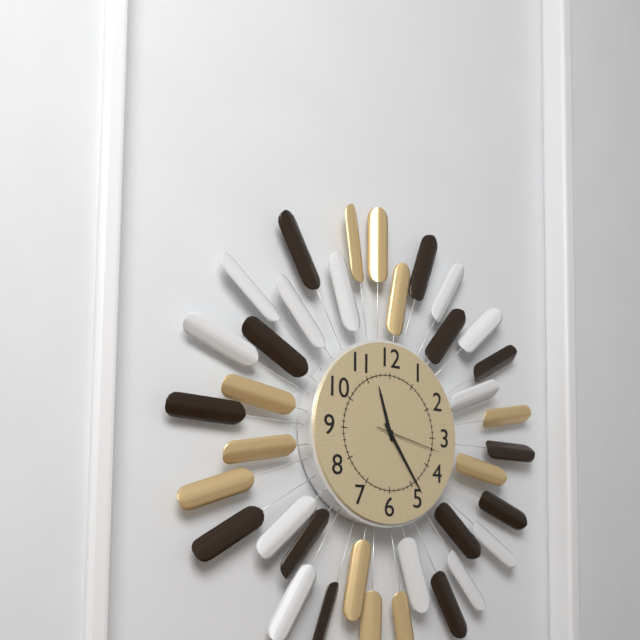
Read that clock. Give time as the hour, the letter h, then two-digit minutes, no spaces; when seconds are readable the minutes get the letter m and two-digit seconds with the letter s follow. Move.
11h24m17s
